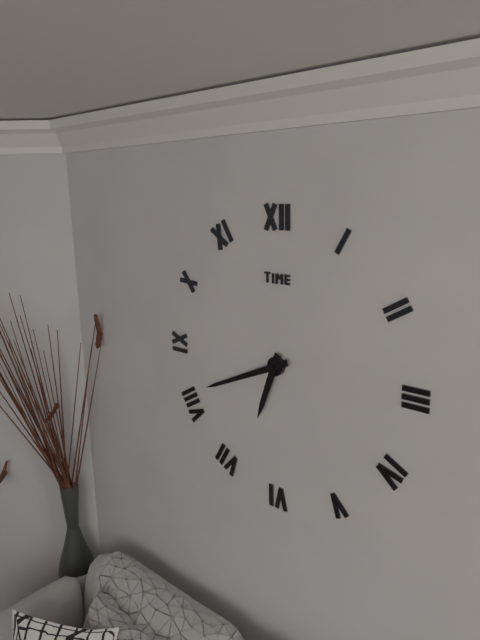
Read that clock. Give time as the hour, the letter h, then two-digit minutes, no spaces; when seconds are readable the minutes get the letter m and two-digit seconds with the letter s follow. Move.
6h41
